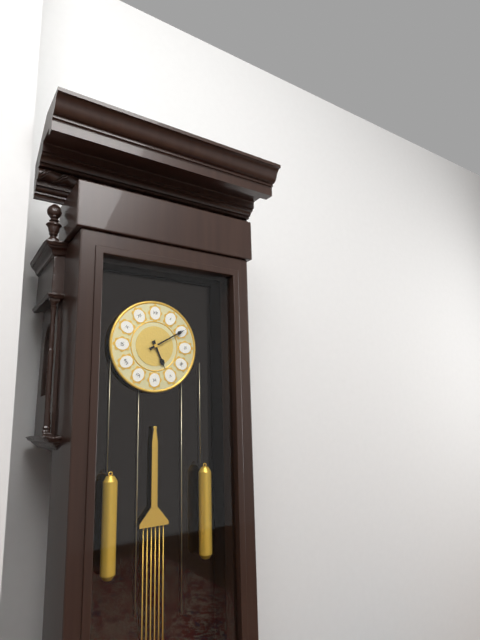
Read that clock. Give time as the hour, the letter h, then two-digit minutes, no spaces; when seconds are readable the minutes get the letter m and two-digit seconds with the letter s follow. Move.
5h10
